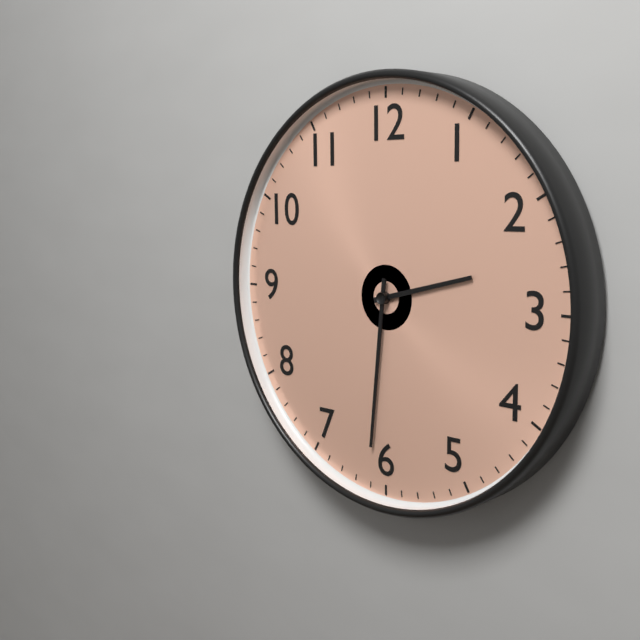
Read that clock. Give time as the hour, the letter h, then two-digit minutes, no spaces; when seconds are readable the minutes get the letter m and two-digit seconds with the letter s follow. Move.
2h31
